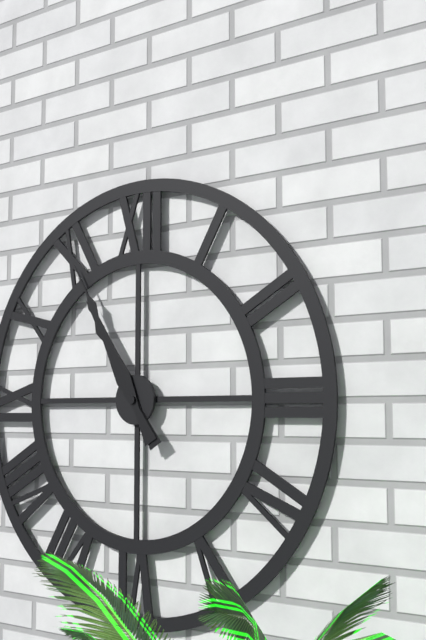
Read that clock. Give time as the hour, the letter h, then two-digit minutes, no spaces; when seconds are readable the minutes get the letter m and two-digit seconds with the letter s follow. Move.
10h55
